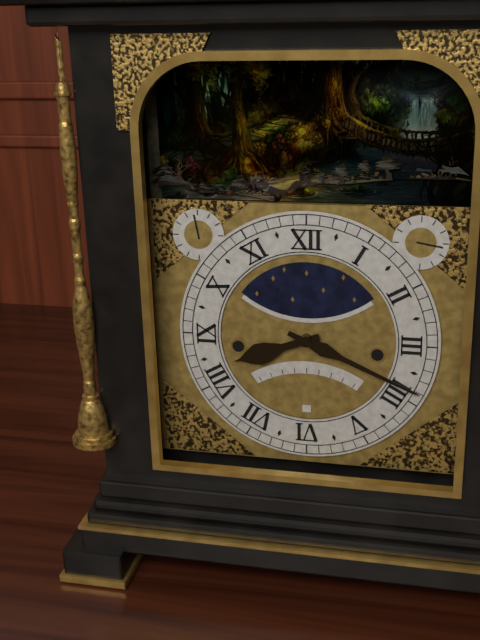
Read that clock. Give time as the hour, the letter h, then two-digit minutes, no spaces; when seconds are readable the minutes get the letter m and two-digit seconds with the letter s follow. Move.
8h19
